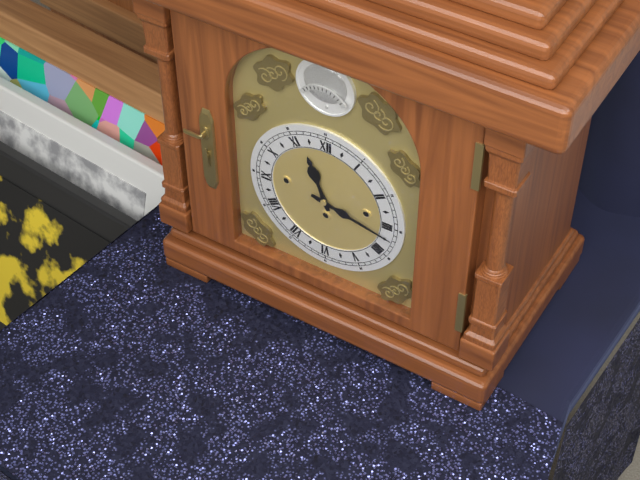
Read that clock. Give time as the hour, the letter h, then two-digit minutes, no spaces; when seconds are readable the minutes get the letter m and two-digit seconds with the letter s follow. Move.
11h17
